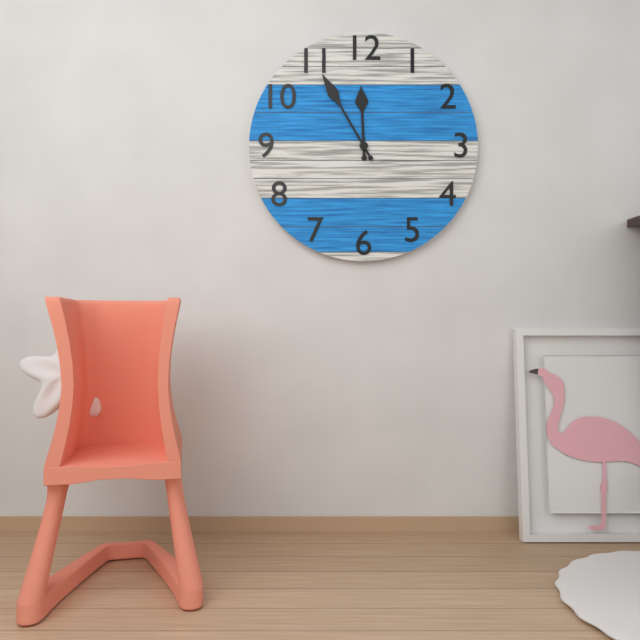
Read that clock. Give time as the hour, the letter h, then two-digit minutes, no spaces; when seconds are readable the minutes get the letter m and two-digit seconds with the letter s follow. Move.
11h55
